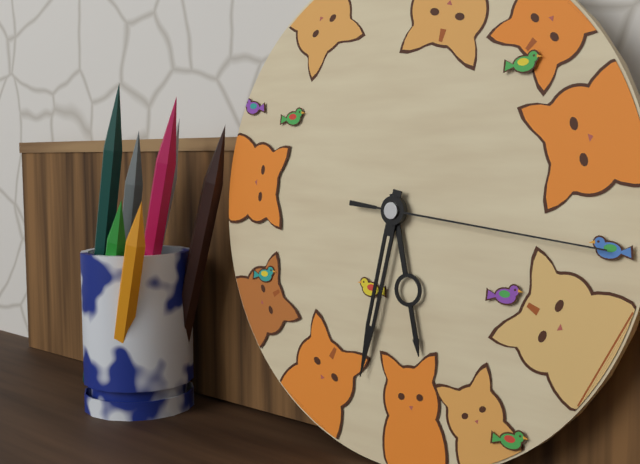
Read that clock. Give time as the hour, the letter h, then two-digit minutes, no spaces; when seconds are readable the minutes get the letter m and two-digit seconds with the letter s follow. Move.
5h32m16s
